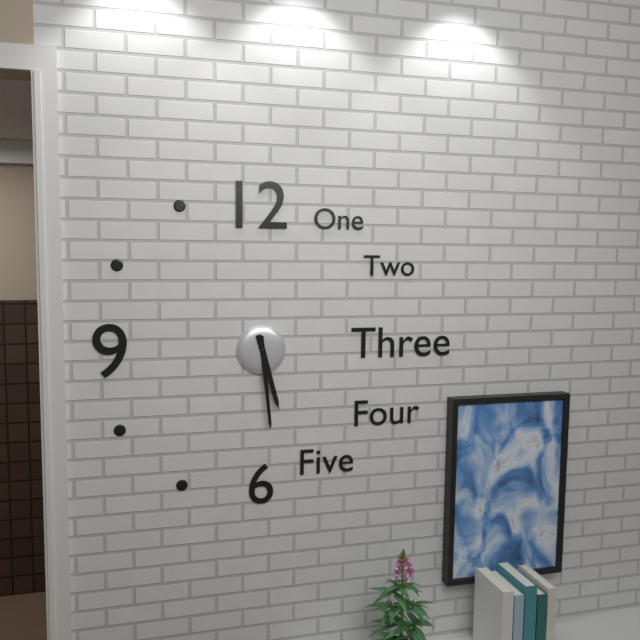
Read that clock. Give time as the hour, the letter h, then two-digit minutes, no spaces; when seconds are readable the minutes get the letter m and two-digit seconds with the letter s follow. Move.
5h29
